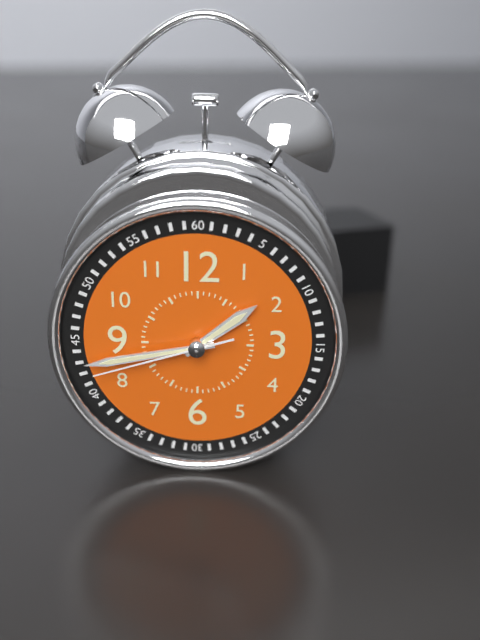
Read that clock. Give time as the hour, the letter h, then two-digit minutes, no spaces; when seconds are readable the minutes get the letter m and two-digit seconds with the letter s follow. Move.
1h43m42s
